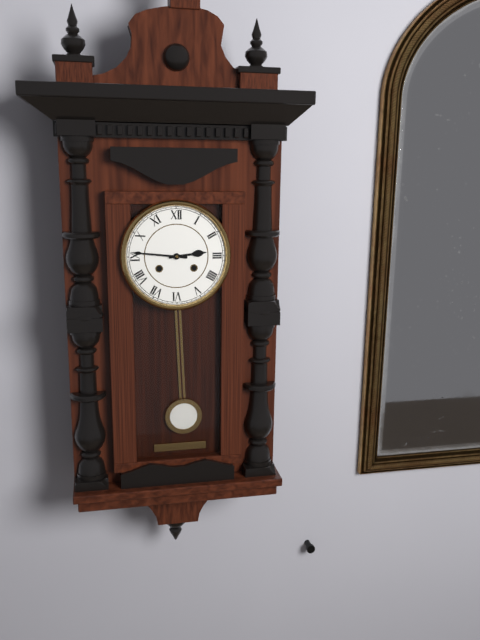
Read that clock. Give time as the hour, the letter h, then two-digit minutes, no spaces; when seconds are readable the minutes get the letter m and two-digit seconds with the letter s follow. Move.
2h46
